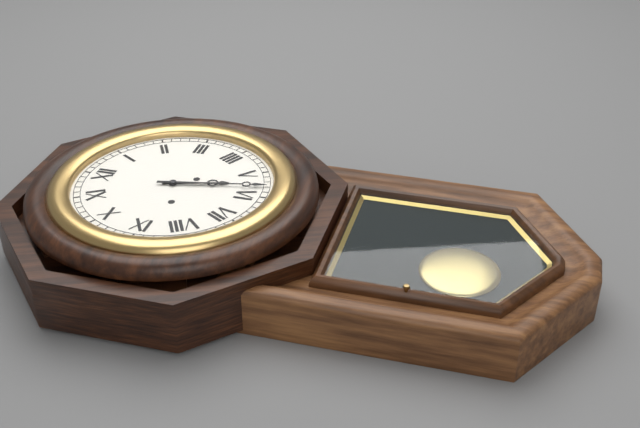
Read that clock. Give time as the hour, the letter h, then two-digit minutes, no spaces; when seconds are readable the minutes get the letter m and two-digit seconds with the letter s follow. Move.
5h28
